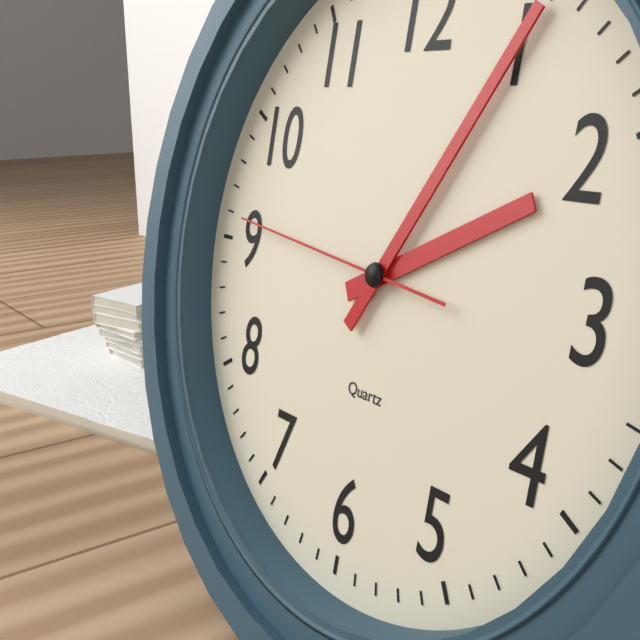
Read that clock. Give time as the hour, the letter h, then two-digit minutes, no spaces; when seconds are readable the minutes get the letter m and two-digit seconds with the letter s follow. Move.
2h05m46s
